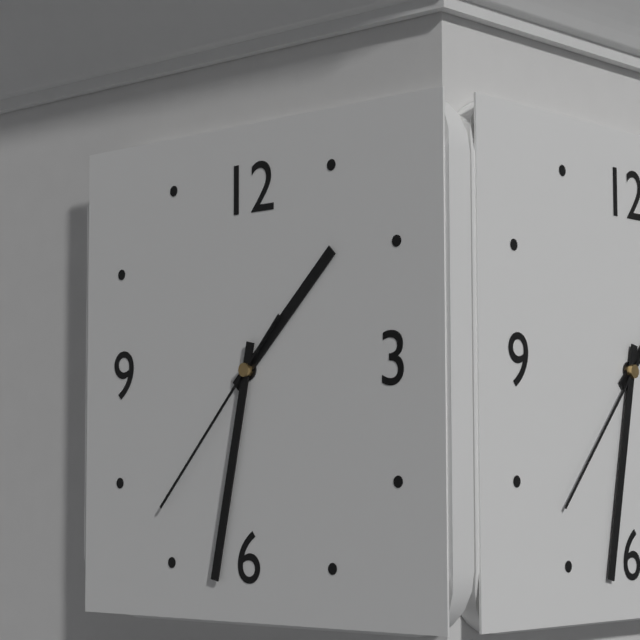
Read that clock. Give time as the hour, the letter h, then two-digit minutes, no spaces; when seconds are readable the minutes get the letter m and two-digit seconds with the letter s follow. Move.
1h32m37s
